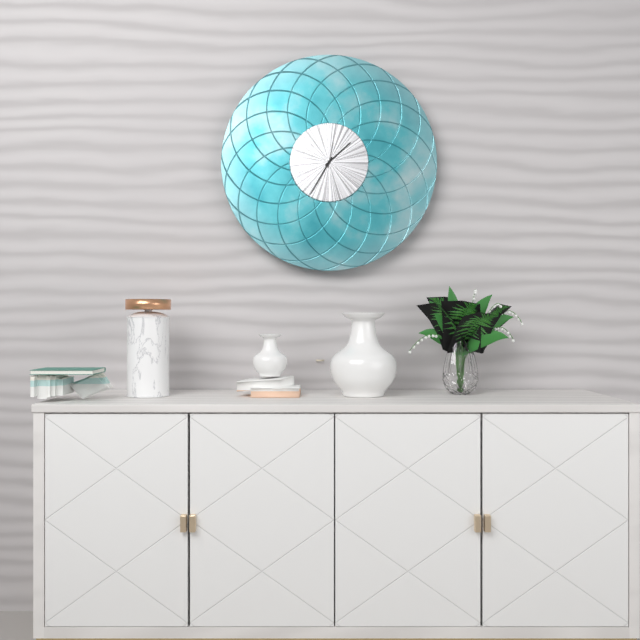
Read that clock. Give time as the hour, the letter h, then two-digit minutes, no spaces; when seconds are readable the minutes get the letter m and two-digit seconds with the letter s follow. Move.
1h35
